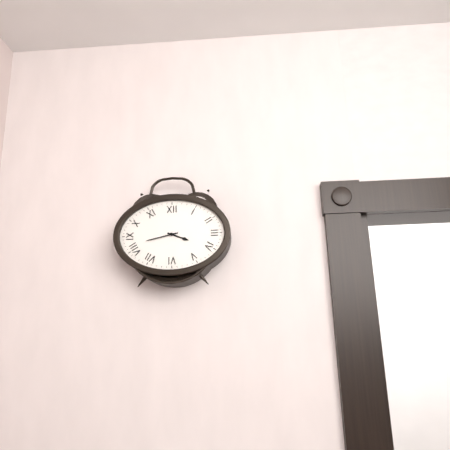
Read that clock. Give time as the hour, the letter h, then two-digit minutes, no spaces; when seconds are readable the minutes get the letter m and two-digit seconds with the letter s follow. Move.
3h43
